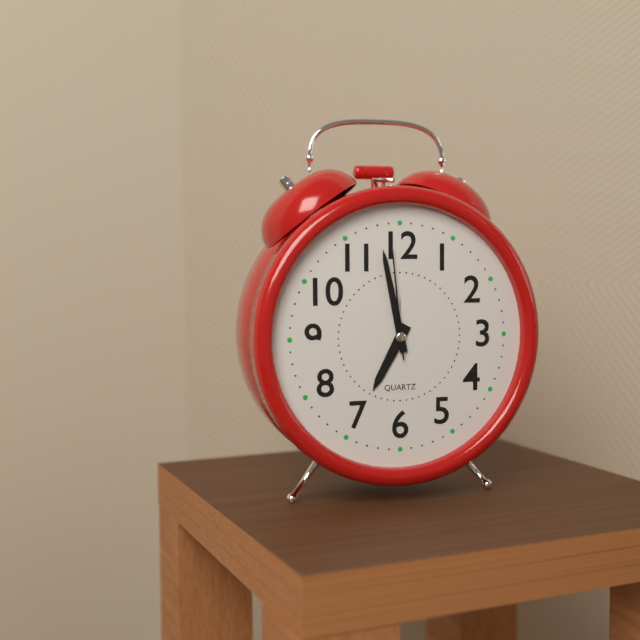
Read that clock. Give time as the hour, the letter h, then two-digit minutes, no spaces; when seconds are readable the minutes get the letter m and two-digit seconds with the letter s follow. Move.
6h58m59s
